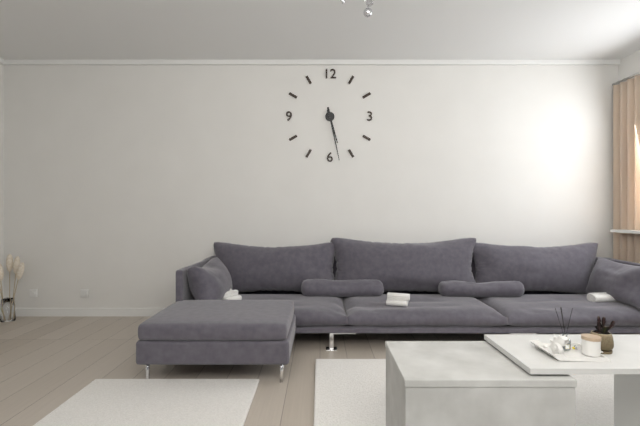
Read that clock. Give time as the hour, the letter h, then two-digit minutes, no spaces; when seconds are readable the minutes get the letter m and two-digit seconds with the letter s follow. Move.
5h28
